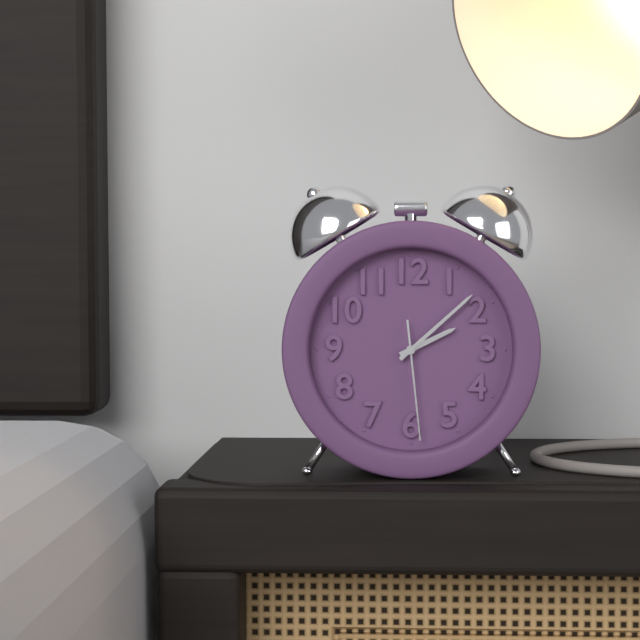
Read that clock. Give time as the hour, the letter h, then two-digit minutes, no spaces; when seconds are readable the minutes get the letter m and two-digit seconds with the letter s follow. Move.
2h08m29s
